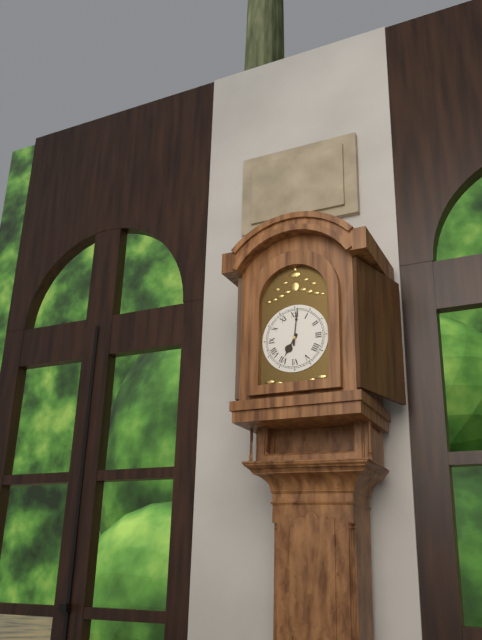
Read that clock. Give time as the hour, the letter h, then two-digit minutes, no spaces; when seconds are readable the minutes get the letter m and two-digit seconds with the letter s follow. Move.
7h01
